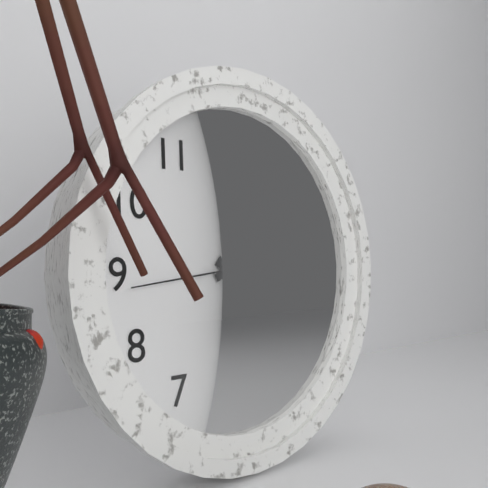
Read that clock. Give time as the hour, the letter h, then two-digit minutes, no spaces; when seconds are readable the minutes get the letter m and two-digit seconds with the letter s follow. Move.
4h11m44s
